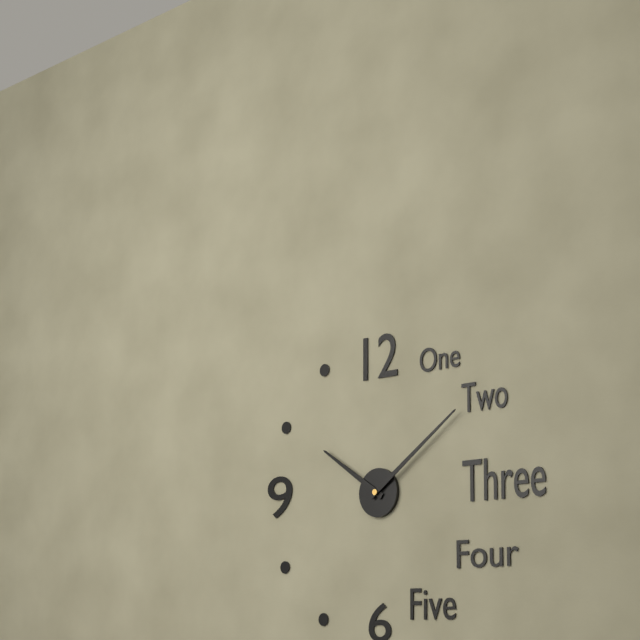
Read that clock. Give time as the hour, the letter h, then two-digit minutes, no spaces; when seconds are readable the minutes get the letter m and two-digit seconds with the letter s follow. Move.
10h09
